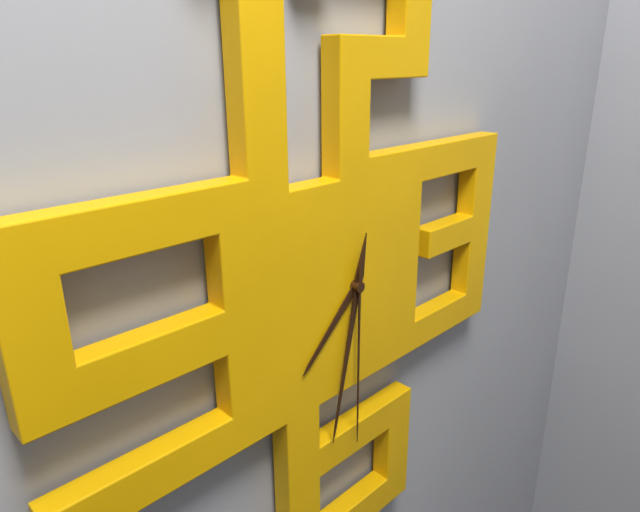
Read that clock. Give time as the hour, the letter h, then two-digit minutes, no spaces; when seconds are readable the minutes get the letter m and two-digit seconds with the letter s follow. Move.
7h32m30s
